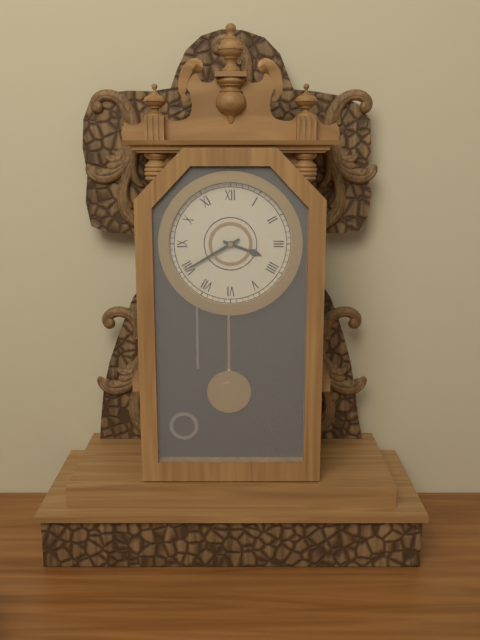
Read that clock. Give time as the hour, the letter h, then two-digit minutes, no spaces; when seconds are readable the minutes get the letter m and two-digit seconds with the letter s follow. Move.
3h40
